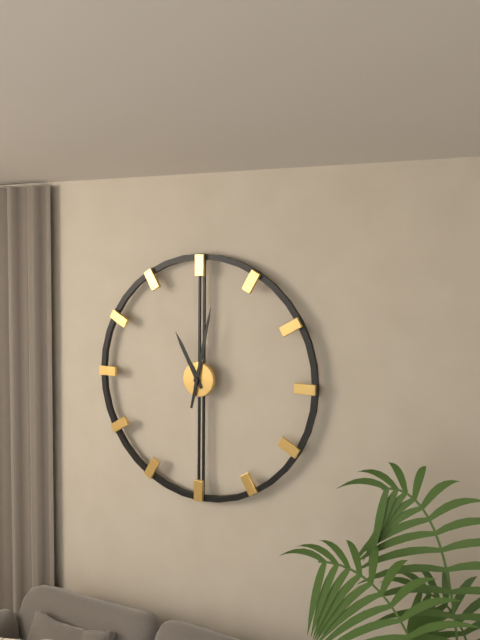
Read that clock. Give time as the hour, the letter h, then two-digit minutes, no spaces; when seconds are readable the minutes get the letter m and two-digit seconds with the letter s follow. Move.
11h02
